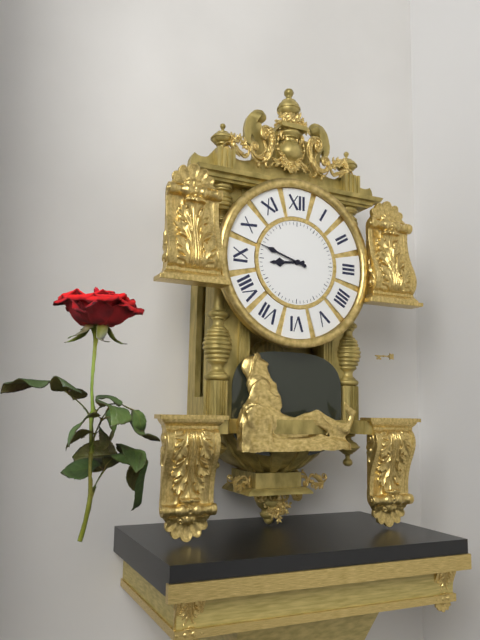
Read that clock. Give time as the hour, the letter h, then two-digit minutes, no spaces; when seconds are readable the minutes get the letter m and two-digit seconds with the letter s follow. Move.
8h48
